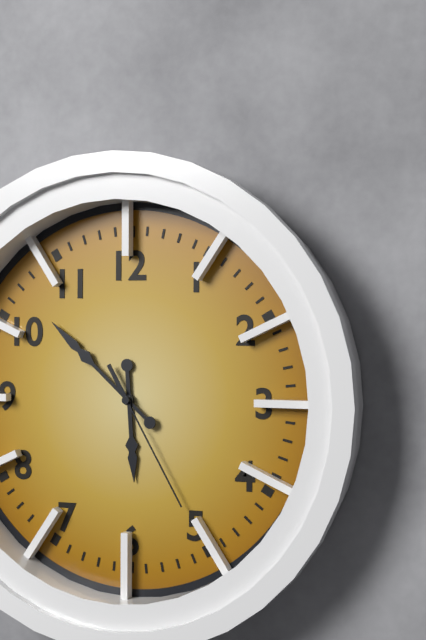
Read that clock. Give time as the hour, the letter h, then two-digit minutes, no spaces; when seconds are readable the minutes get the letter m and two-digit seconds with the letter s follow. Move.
5h52m25s
